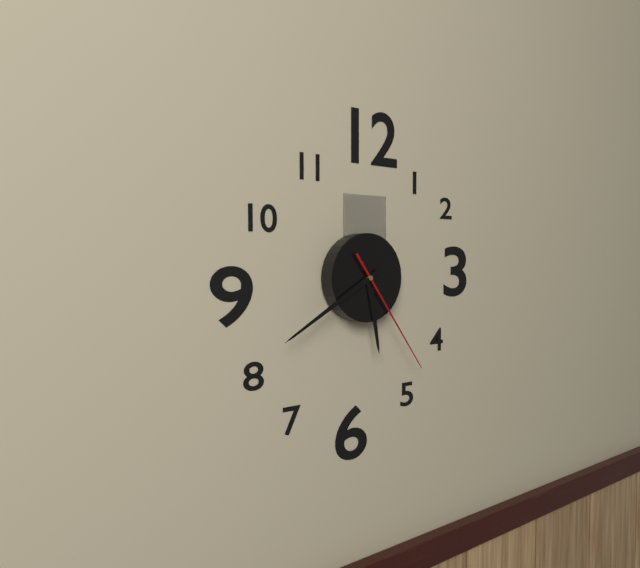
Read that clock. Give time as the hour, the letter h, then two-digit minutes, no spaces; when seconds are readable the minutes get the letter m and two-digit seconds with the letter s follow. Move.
5h40m24s
